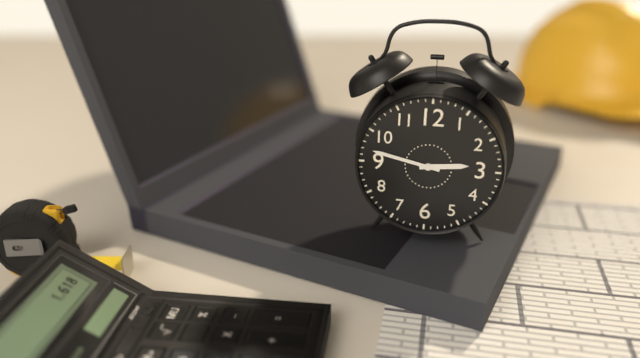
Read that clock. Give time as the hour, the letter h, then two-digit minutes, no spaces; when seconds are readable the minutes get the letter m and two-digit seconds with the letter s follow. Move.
2h47
